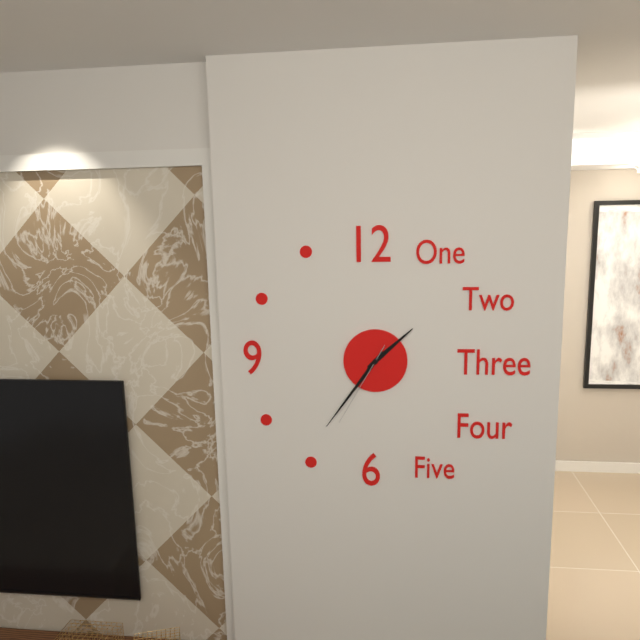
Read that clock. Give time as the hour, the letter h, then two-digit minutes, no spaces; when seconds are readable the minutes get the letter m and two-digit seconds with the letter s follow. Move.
1h36m35s
